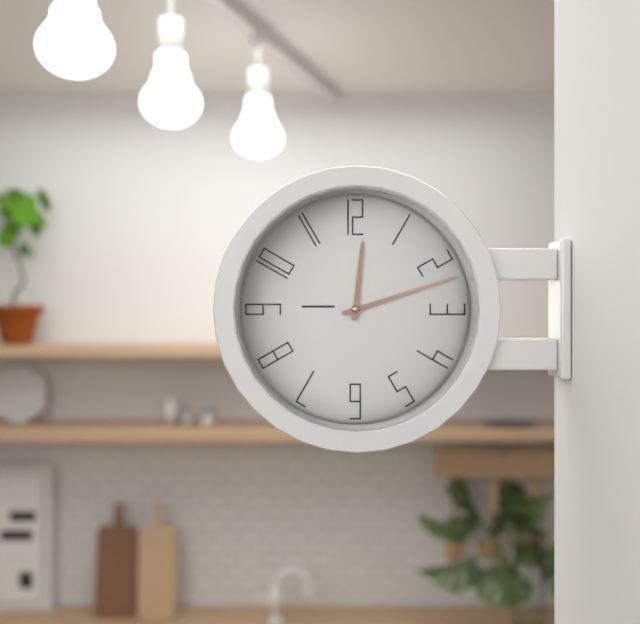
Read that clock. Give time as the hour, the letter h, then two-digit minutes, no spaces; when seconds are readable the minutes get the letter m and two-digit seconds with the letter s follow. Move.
12h12
